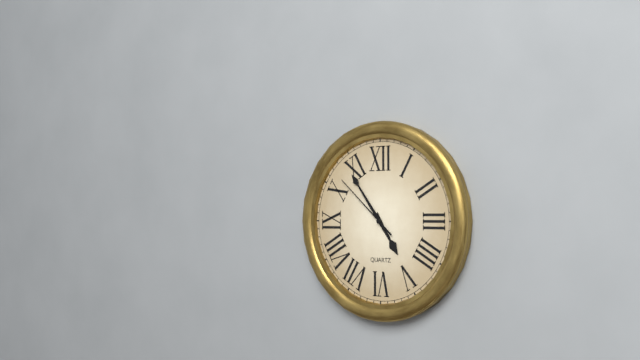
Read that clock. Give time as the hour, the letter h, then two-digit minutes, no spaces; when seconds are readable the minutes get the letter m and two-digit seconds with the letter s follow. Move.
4h54m52s
